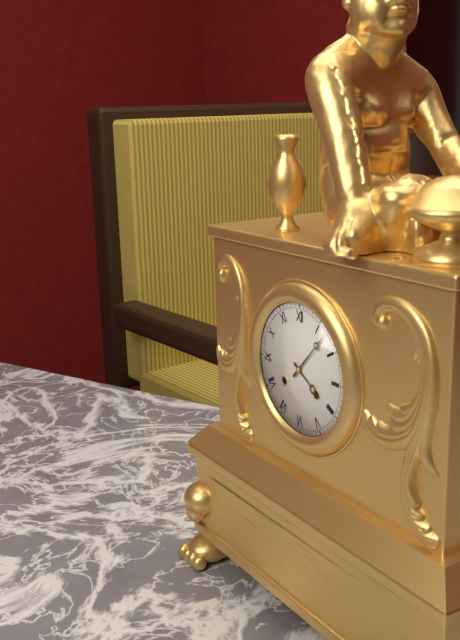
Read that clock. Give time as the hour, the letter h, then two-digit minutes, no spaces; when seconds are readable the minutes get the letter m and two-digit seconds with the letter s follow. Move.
4h07
